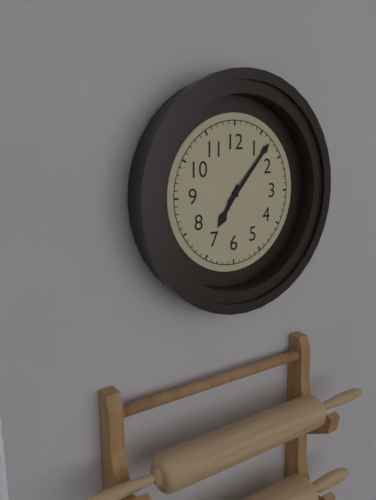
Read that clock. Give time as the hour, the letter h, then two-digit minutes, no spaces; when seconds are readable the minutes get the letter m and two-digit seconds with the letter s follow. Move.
7h07
